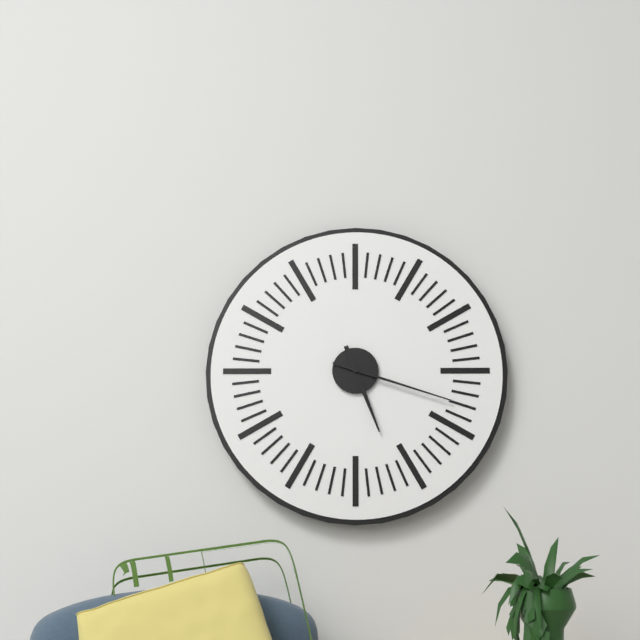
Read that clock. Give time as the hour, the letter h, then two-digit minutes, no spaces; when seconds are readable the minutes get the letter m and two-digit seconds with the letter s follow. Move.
5h18
